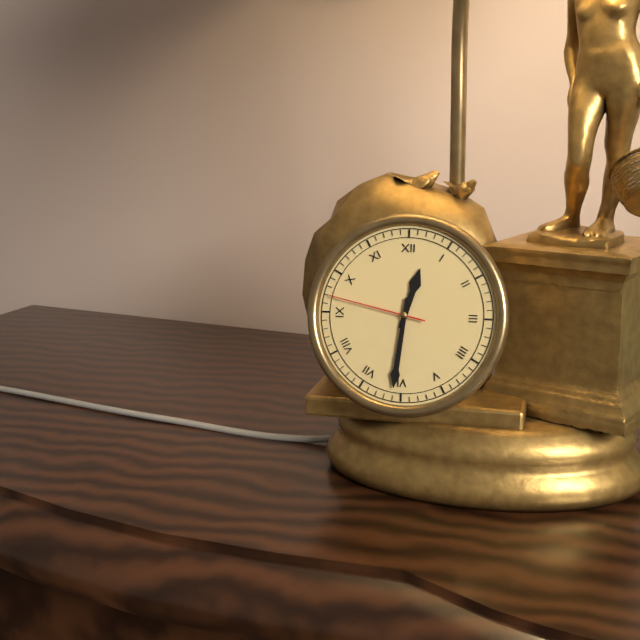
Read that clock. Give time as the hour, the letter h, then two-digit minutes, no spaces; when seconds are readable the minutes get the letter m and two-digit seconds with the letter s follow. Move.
12h31m47s
